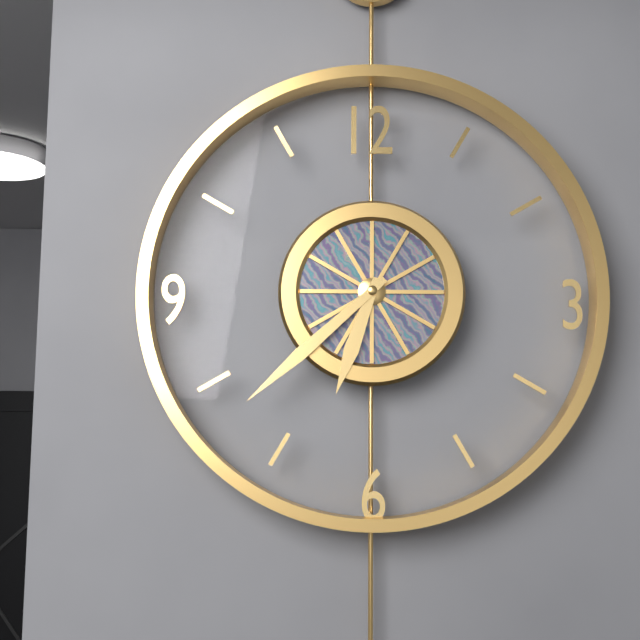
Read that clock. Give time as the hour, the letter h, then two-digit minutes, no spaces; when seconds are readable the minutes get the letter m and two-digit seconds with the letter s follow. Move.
6h38
